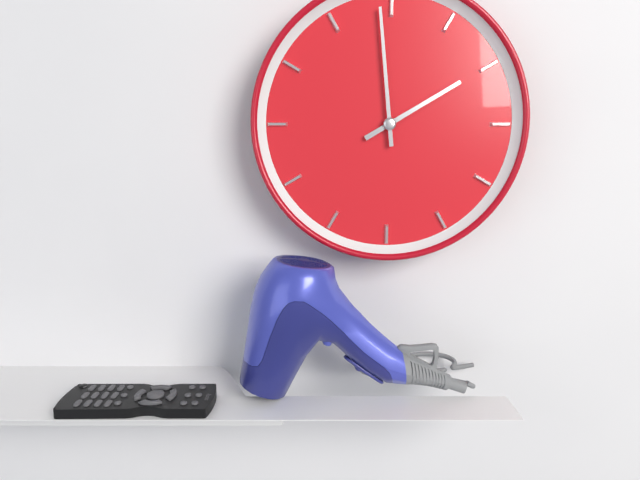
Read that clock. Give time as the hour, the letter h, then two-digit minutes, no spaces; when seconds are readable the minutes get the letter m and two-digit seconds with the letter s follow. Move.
1h59
